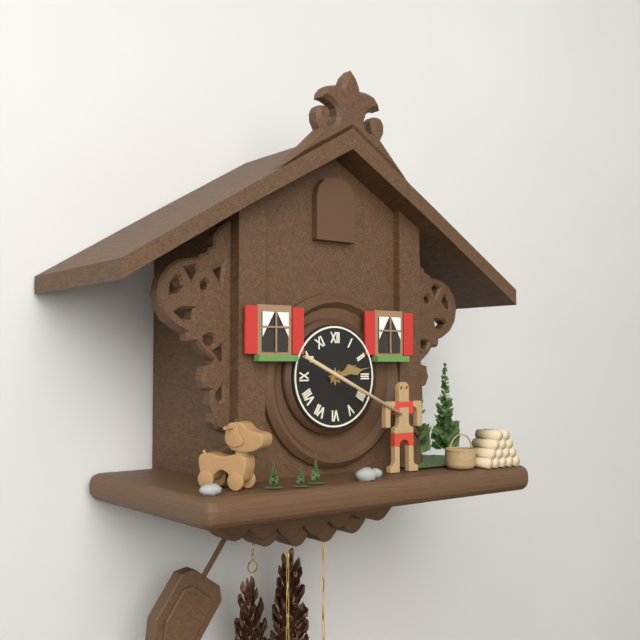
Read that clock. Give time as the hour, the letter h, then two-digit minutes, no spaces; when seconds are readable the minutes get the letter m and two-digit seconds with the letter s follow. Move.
2h13
